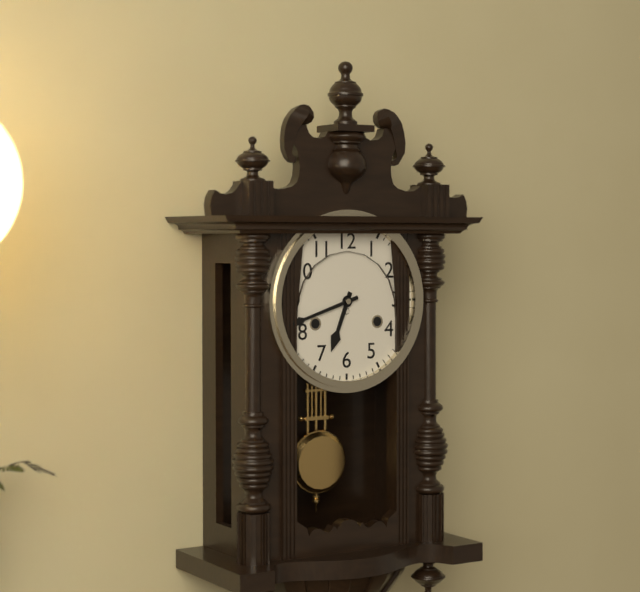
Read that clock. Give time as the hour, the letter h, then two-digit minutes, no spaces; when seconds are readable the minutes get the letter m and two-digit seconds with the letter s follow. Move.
6h42
